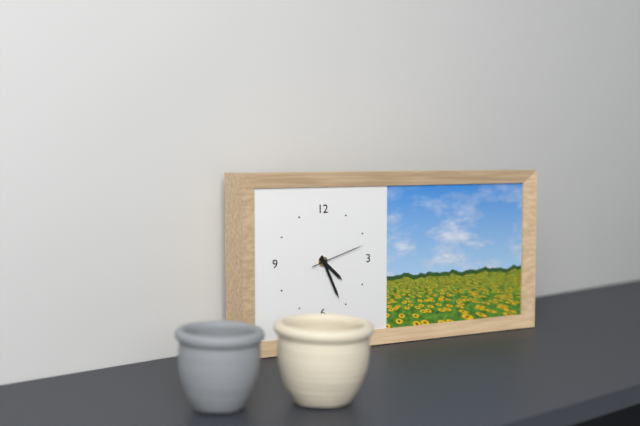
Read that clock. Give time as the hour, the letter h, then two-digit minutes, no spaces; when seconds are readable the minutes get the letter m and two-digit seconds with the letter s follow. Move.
4h26m12s
